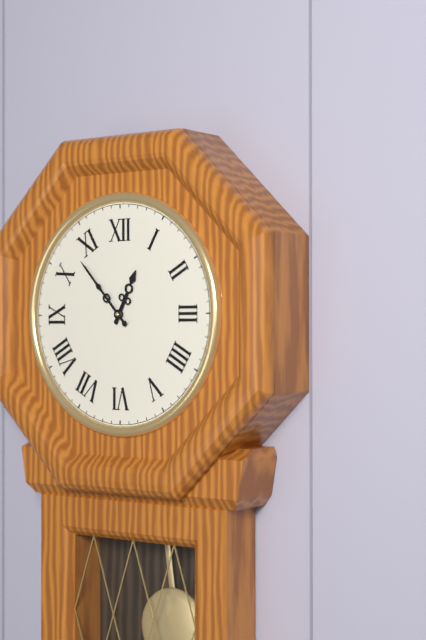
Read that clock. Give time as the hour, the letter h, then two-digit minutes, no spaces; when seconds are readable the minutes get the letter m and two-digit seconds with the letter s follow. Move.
12h53
